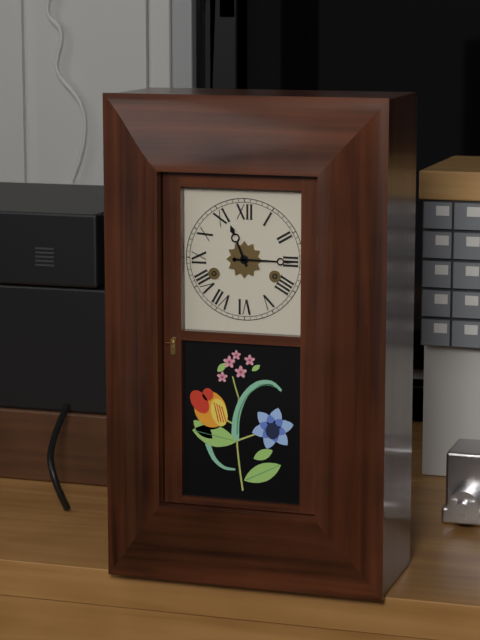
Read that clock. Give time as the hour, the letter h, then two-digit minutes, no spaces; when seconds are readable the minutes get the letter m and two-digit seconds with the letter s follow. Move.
11h15
